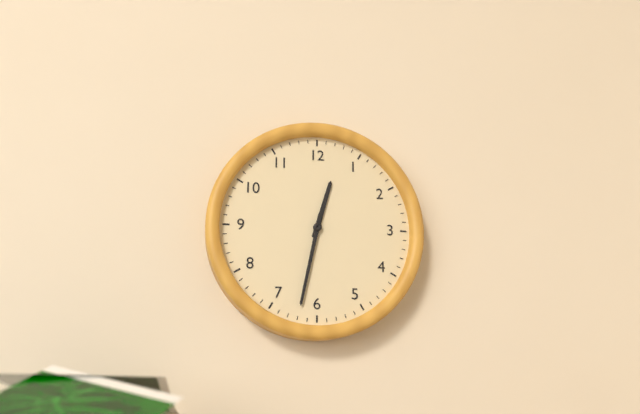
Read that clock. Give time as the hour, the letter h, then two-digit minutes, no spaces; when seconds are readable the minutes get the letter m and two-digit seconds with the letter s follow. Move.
12h32
